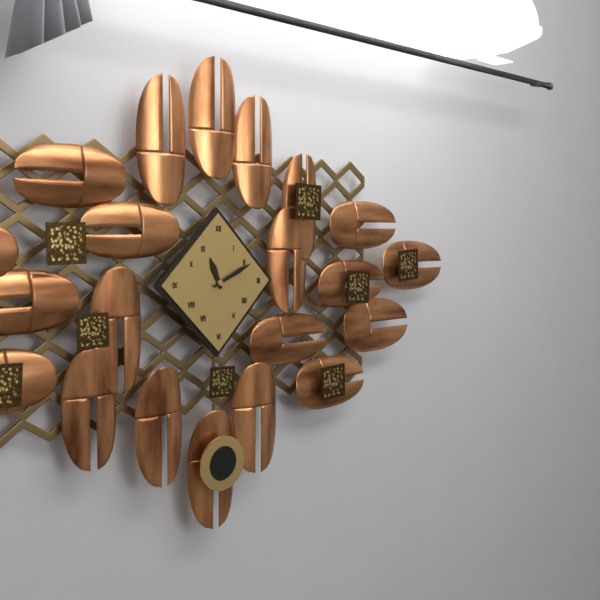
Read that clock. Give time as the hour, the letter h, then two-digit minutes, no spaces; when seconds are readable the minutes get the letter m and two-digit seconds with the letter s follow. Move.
11h11
